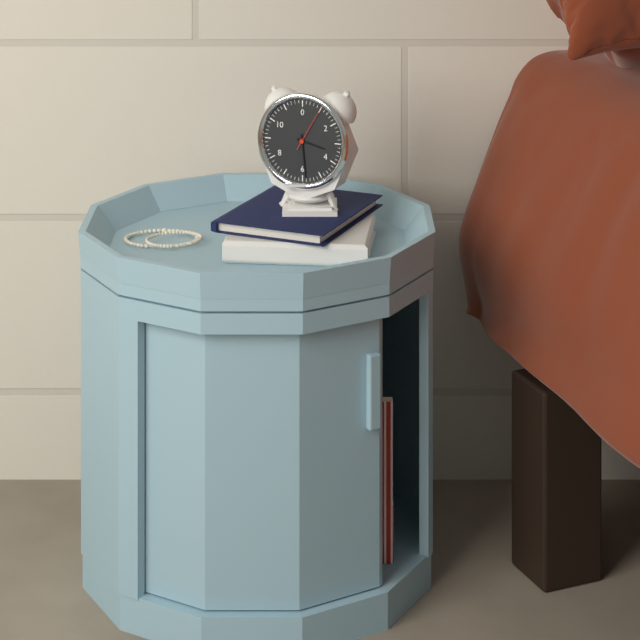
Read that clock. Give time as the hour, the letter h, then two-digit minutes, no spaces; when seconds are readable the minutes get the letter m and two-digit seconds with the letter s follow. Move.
3h29
